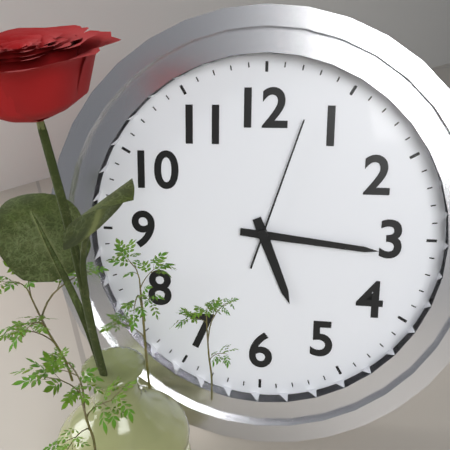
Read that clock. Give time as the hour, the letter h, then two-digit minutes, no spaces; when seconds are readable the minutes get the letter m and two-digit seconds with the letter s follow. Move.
5h16m03s
